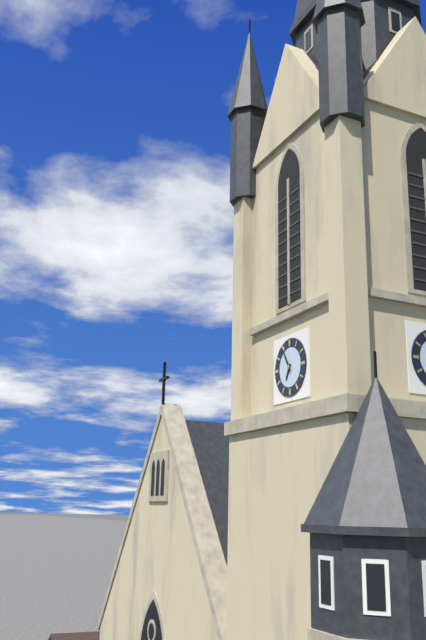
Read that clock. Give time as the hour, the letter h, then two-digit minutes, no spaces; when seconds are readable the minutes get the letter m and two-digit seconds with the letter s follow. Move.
6h55
